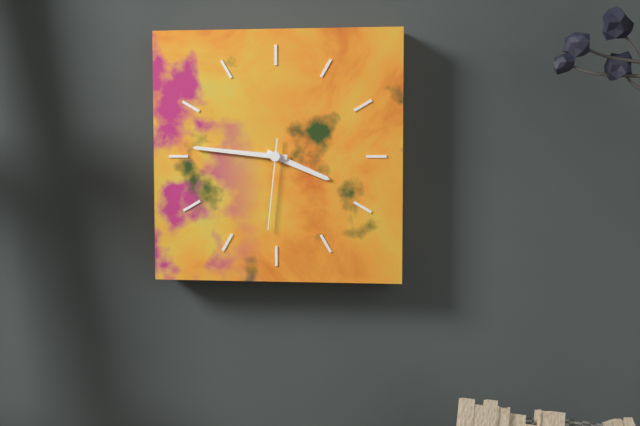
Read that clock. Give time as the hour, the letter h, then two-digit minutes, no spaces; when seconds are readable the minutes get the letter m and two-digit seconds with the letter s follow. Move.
3h46m31s
